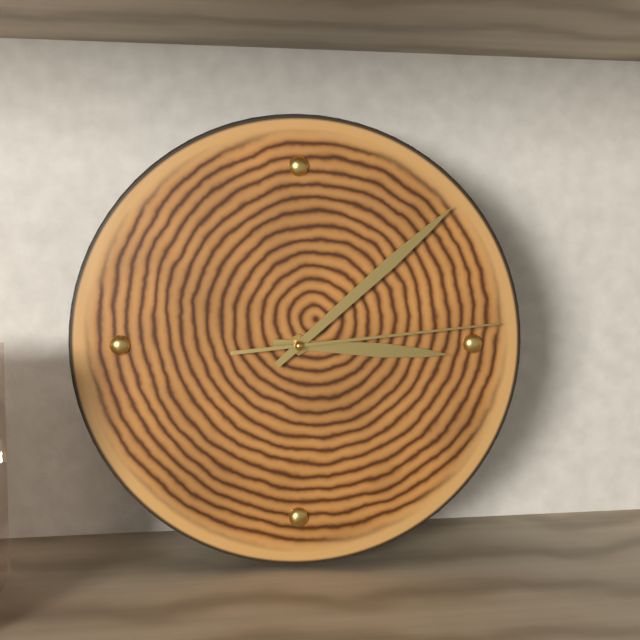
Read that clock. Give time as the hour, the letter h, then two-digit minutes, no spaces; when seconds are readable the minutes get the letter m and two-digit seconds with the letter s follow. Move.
3h08m14s
